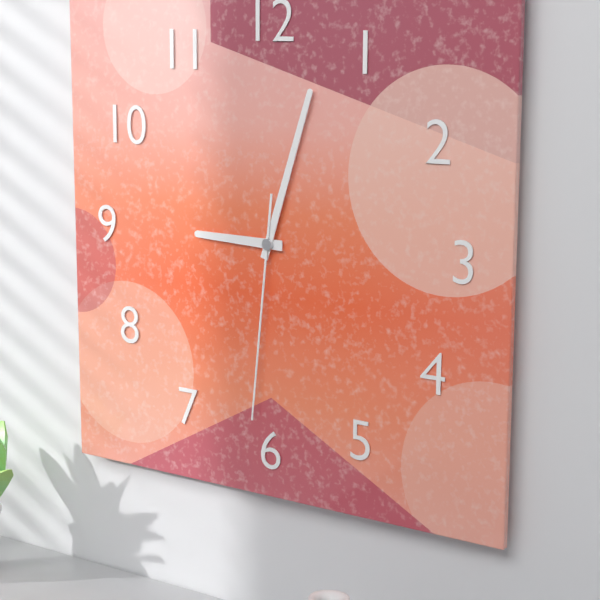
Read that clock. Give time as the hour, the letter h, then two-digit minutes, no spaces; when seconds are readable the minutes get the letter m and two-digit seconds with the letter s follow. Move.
9h03m31s
